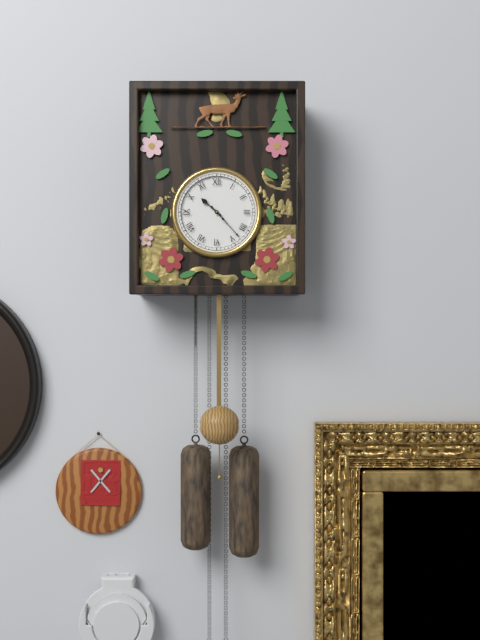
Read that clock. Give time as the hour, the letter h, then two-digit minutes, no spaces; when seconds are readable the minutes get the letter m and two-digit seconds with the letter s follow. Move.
10h23
